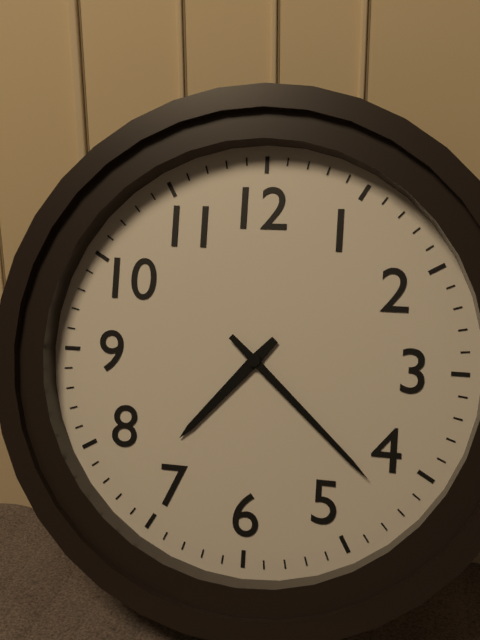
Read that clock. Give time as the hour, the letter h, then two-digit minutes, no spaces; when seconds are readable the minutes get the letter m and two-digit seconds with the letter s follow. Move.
7h22
